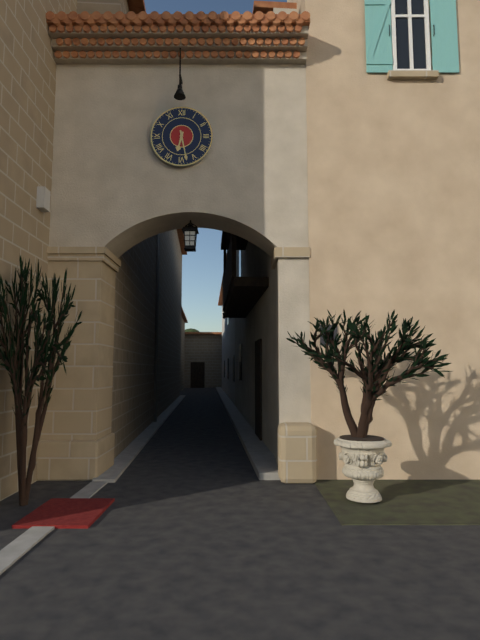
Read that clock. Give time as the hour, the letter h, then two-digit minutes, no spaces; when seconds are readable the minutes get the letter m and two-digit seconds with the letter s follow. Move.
6h28
